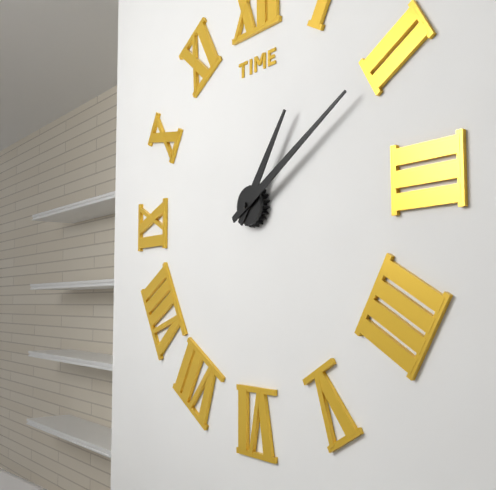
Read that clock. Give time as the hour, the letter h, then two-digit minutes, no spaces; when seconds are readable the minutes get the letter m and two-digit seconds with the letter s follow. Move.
1h10
